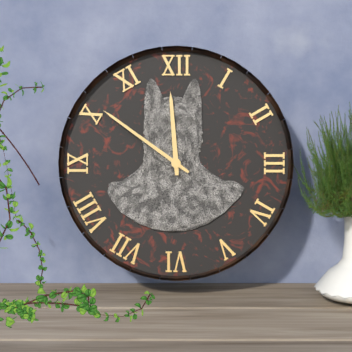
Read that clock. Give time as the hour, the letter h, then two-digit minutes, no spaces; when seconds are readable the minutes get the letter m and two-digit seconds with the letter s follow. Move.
11h51
